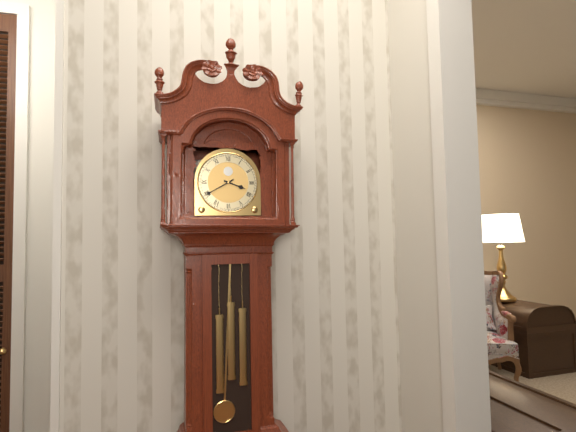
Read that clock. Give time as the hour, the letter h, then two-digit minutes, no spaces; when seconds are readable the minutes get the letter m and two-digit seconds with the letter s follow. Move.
3h40
